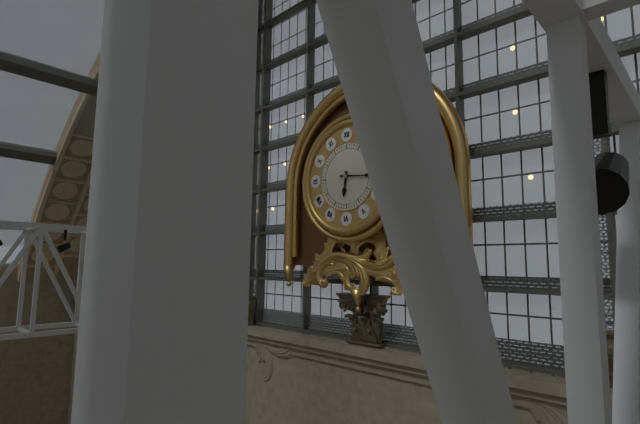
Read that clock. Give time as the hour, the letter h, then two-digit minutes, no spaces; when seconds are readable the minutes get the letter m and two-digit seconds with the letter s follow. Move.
6h16
